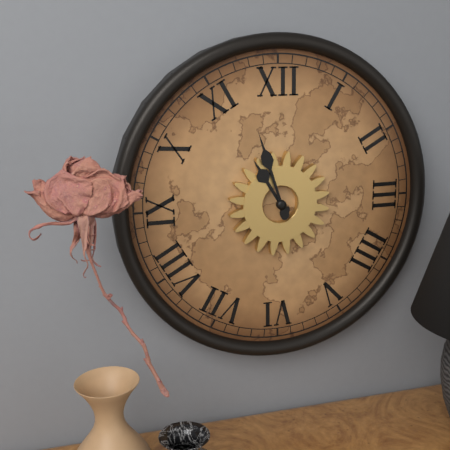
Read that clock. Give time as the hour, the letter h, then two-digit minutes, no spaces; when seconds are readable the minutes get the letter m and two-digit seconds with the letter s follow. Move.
10h57
